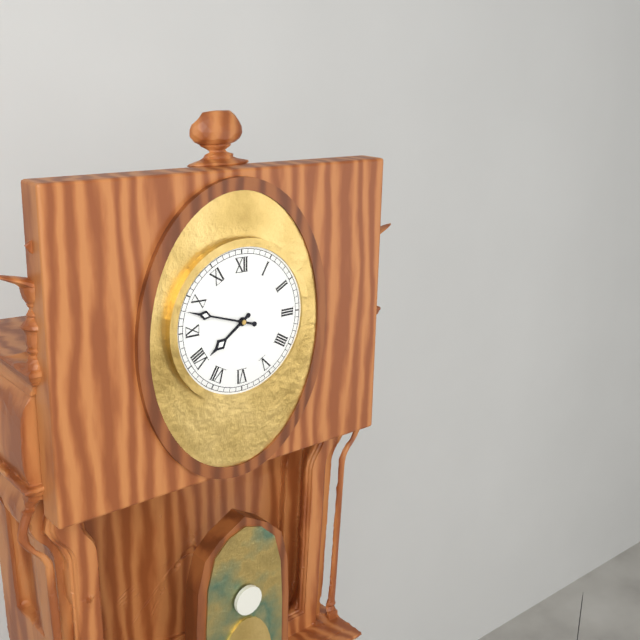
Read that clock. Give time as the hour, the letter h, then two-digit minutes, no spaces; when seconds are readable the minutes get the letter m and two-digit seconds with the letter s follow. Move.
7h48
